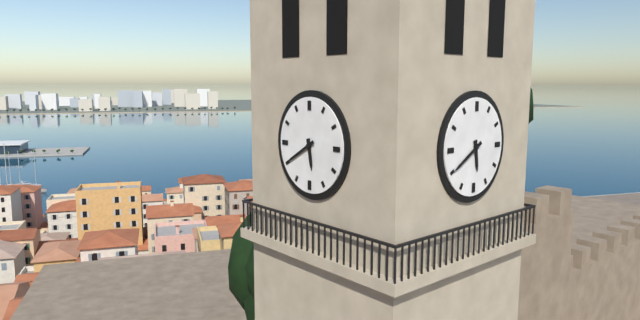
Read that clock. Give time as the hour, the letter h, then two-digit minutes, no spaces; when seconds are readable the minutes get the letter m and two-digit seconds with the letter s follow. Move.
5h40
